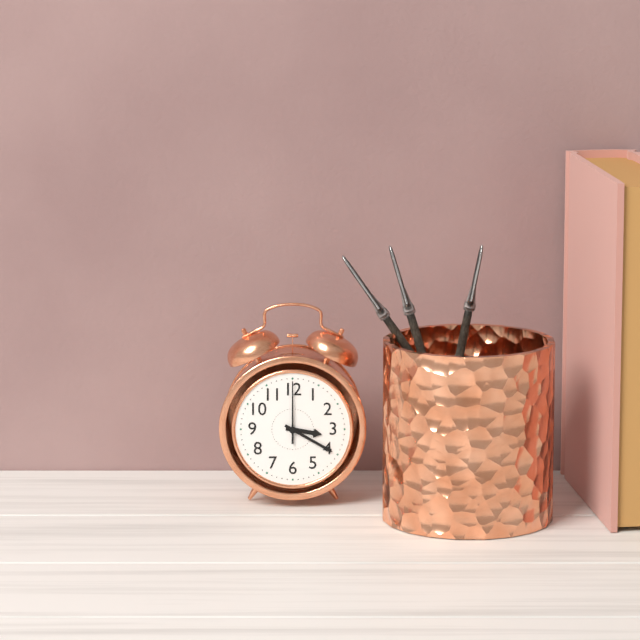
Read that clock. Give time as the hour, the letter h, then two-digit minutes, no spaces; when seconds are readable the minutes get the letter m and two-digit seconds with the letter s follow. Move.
3h20m00s
